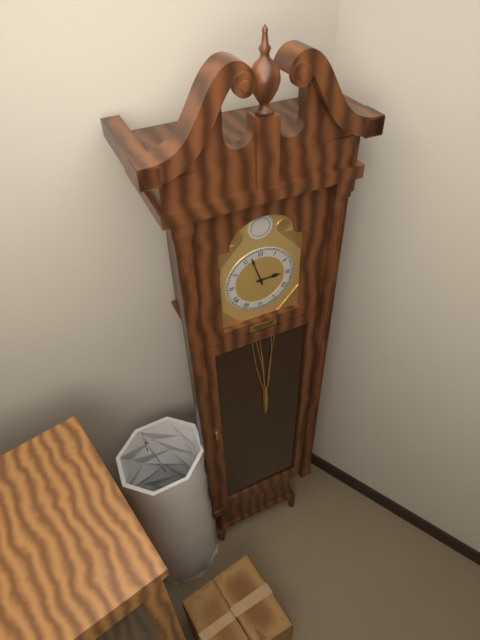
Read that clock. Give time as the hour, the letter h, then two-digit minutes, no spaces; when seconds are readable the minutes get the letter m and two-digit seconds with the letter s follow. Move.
2h57
